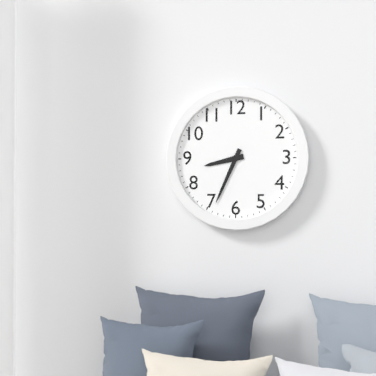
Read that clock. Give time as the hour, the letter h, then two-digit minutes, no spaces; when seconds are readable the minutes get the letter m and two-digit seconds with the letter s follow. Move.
8h34
